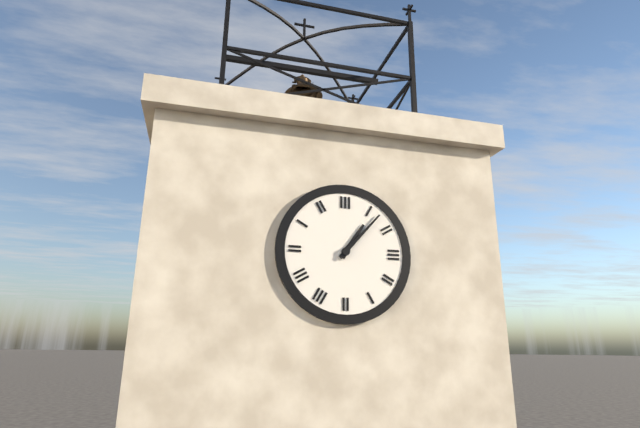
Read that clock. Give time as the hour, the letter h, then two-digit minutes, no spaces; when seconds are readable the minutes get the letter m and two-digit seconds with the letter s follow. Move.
1h07
